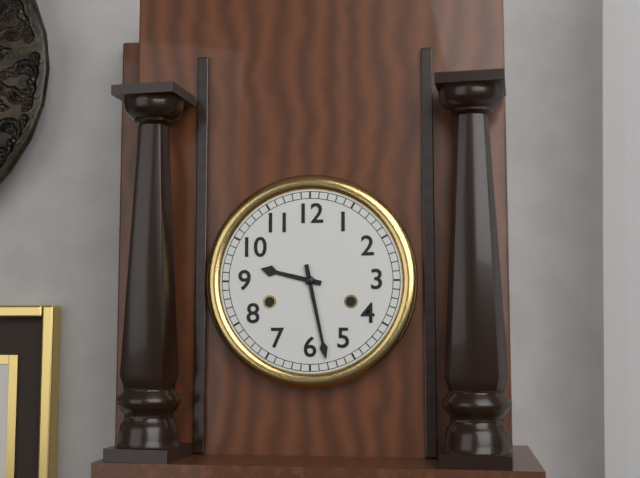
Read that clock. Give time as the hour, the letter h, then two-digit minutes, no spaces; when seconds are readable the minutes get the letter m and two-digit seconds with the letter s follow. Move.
9h28
